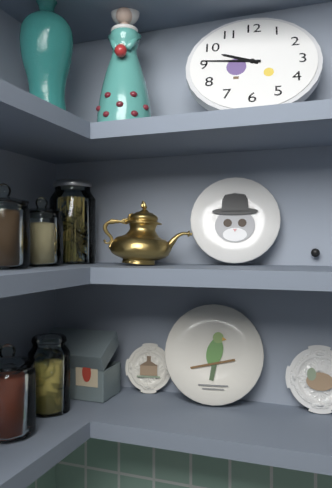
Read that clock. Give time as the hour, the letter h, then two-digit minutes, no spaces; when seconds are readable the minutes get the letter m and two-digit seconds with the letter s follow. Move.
9h46
